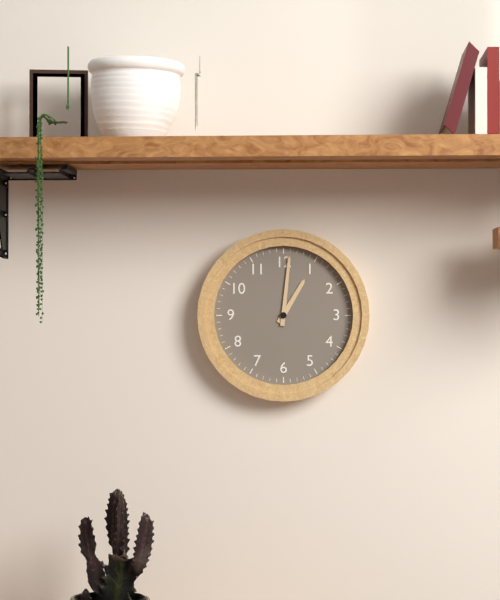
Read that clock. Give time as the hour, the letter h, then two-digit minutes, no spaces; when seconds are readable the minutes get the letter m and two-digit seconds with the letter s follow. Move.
1h01
